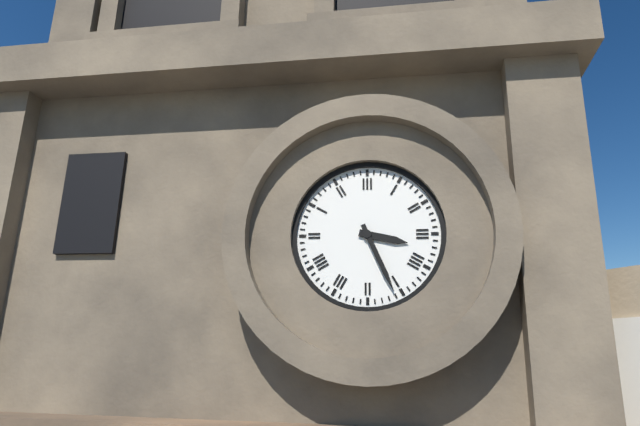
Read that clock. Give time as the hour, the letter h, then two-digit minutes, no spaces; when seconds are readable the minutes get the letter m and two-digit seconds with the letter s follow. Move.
3h26
